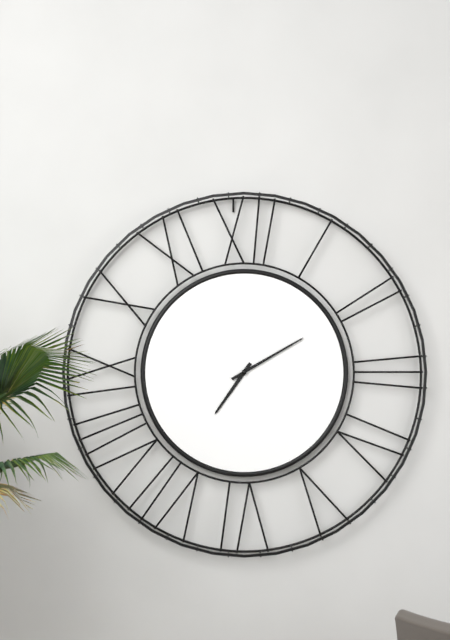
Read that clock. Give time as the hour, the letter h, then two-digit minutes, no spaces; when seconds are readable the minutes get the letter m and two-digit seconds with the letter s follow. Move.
7h10
